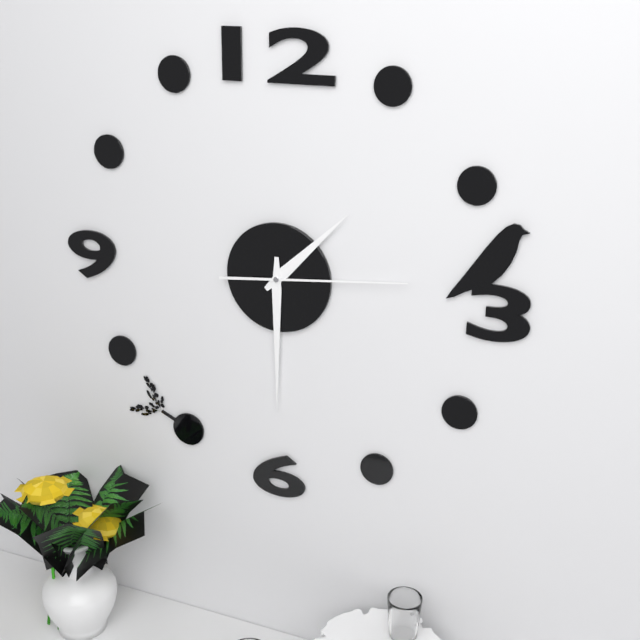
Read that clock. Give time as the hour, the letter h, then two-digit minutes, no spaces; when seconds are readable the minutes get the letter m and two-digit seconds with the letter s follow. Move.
1h30m14s
